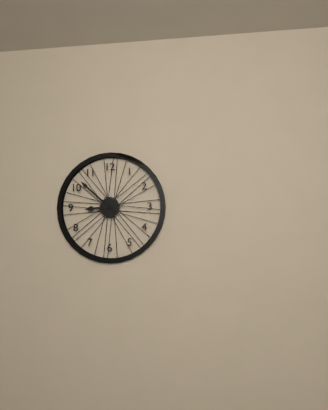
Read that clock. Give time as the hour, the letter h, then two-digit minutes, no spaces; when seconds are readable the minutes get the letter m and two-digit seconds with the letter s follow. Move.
8h52
